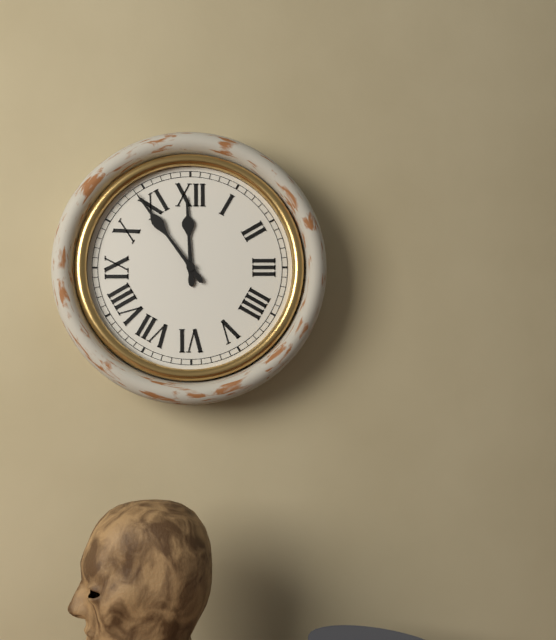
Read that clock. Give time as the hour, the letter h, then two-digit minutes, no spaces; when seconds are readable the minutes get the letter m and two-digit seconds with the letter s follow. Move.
11h54
